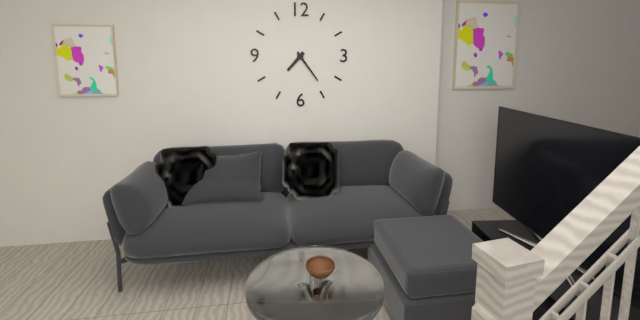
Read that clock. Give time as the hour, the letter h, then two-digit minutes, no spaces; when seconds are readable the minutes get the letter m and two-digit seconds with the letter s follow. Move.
7h24
